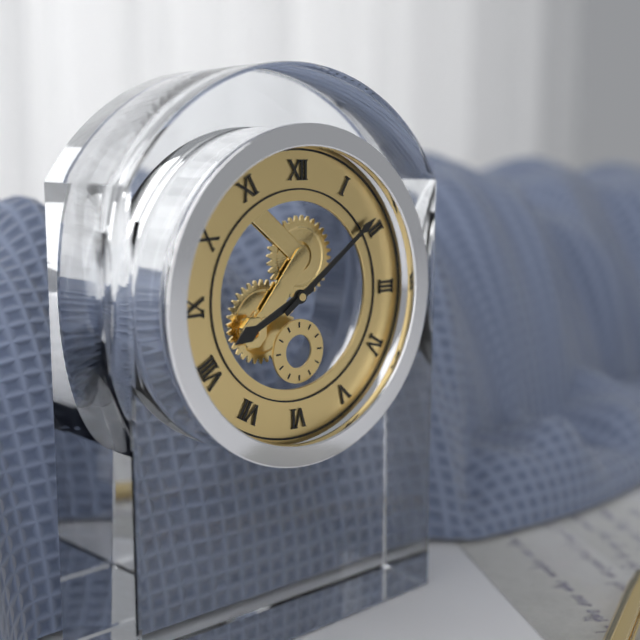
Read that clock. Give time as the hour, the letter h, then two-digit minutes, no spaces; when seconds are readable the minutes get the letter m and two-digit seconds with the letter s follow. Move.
8h09
